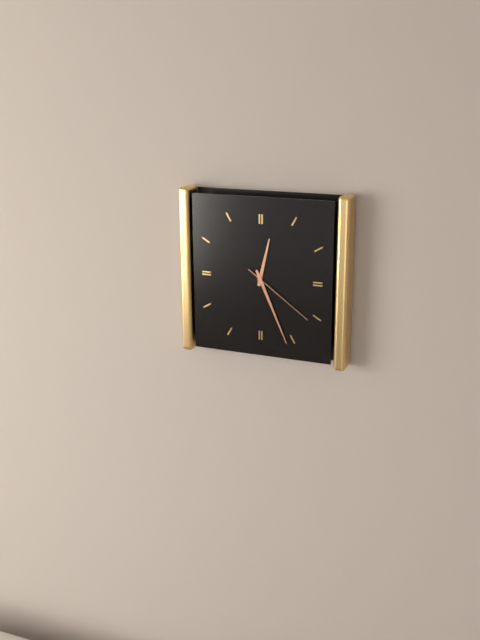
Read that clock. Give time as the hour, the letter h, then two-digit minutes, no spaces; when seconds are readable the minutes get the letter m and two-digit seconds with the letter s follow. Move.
12h26m21s
